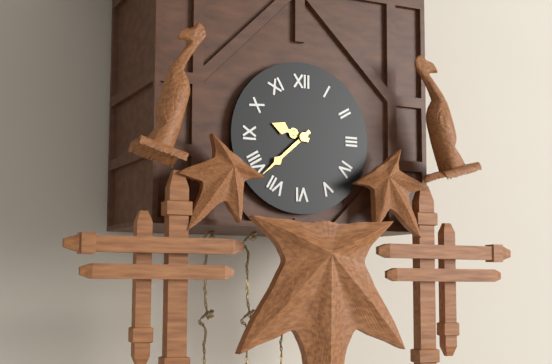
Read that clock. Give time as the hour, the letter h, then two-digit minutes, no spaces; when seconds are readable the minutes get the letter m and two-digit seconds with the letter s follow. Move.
9h38
